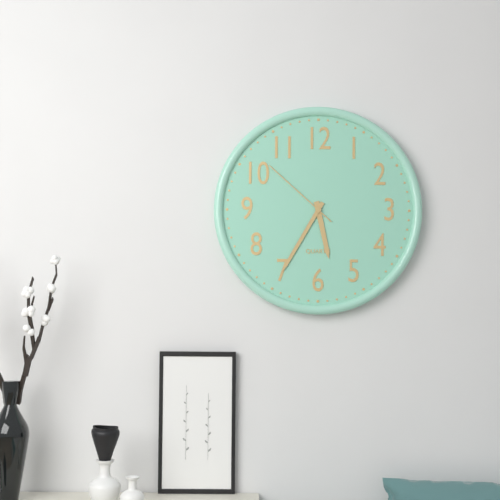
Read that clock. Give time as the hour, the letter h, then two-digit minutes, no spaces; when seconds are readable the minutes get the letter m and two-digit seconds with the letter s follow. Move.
5h35m52s
